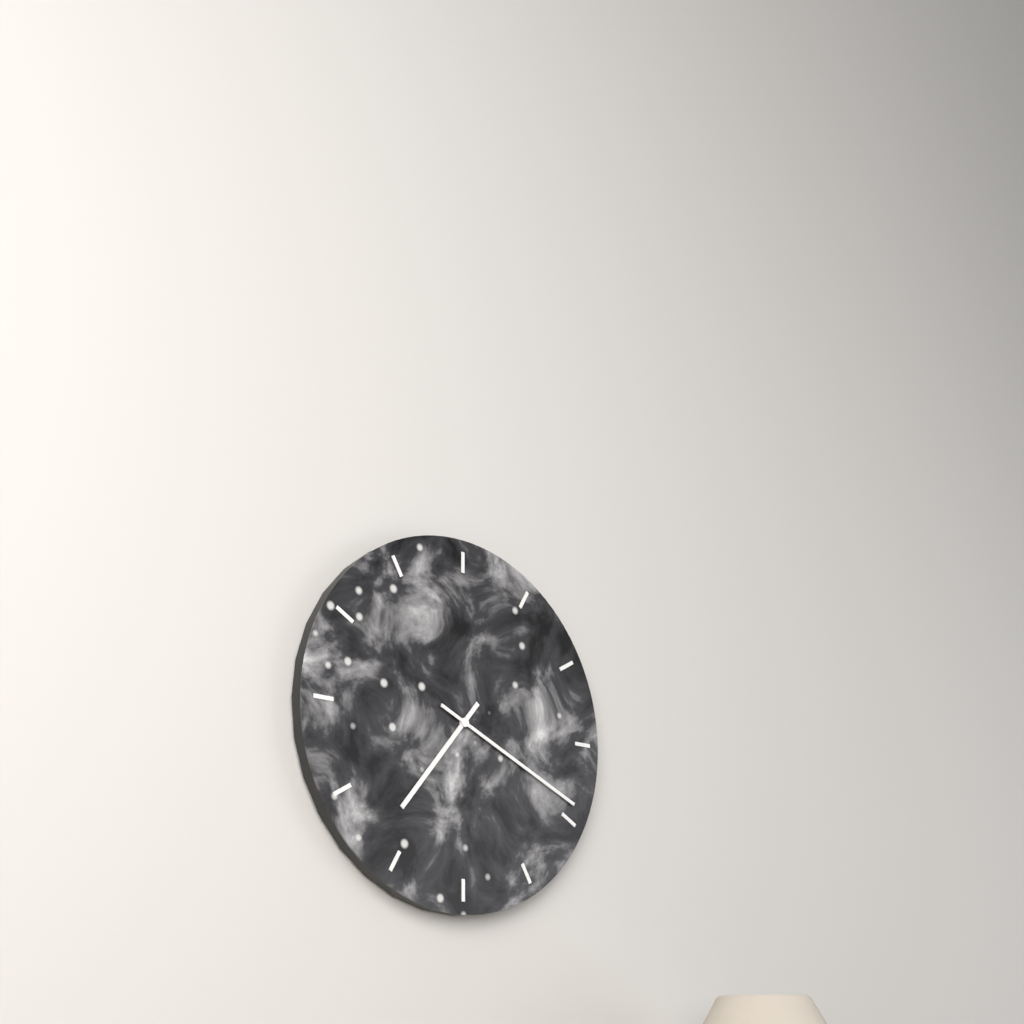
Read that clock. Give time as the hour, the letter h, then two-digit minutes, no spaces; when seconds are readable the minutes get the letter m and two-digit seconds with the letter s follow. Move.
7h19
